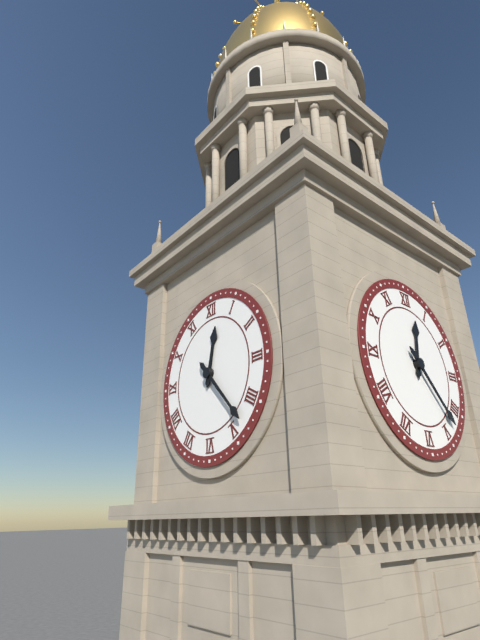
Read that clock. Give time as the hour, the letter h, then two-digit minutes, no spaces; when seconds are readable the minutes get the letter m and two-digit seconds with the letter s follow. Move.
12h23
